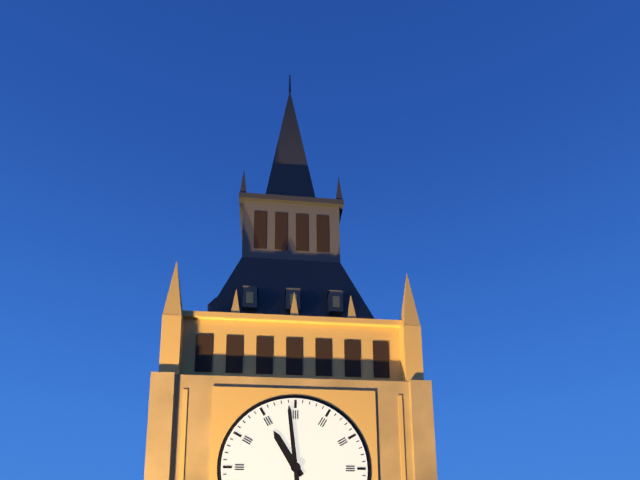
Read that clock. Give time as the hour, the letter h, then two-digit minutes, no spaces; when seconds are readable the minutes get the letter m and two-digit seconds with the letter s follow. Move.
10h59
